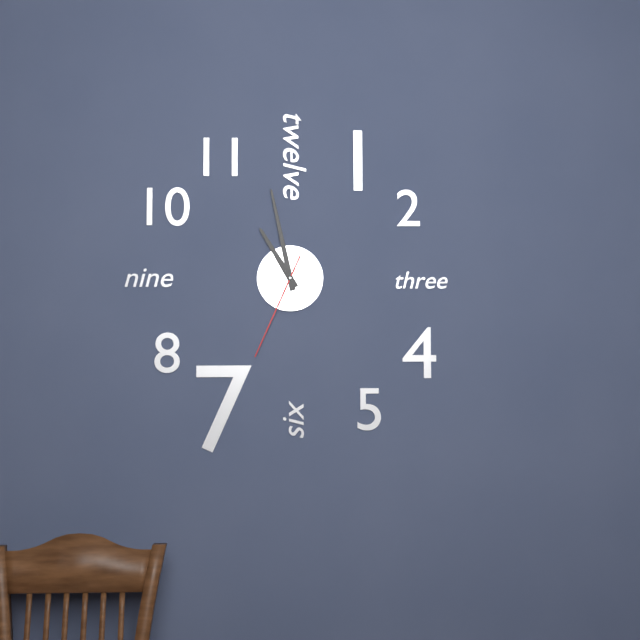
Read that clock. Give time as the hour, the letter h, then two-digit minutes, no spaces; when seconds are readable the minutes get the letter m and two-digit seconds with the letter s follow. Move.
10h58m34s
